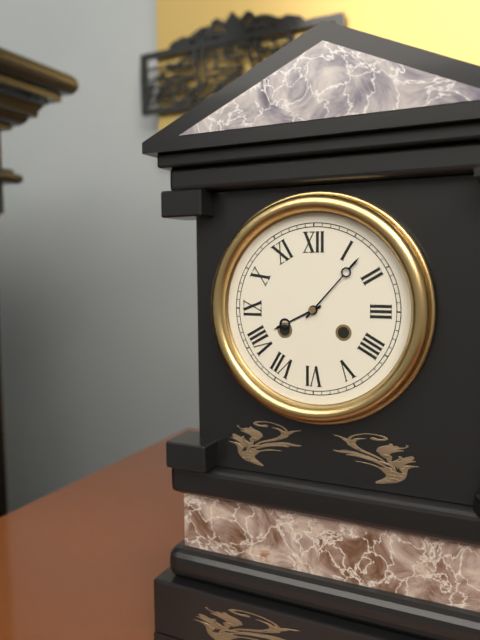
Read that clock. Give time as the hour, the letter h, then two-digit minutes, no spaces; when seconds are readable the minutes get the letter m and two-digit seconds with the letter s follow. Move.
8h07
